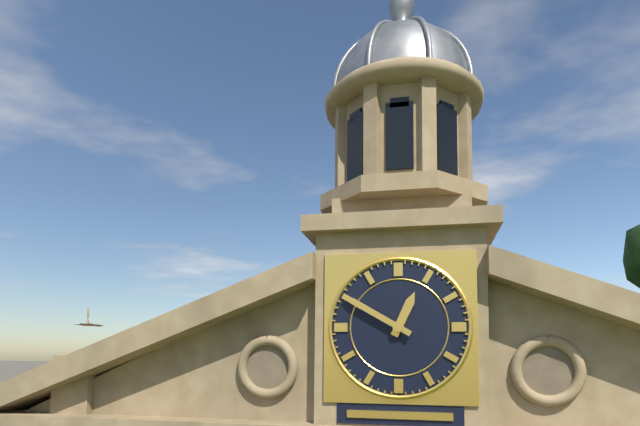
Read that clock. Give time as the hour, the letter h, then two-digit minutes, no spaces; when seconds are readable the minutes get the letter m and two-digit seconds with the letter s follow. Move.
12h50
